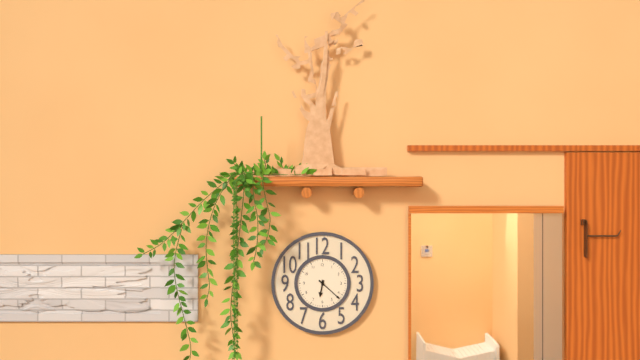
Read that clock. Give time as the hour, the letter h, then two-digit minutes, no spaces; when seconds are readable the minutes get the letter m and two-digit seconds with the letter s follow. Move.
6h22
